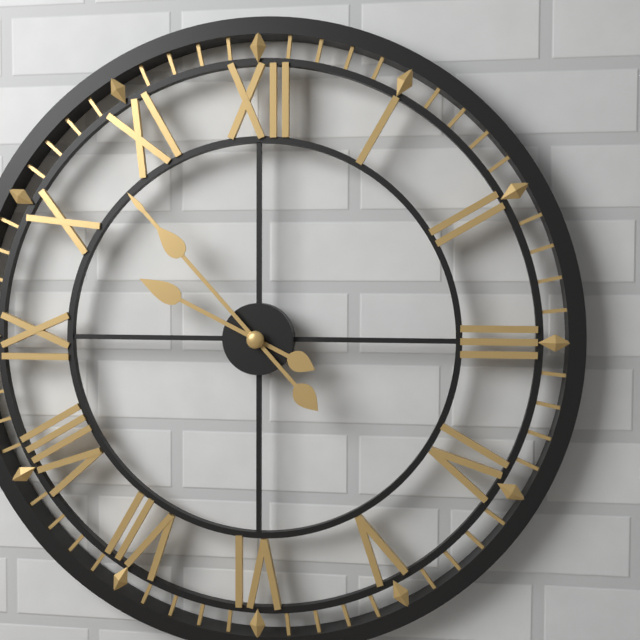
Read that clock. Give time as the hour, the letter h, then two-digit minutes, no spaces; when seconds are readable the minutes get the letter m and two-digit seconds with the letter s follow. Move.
9h53
